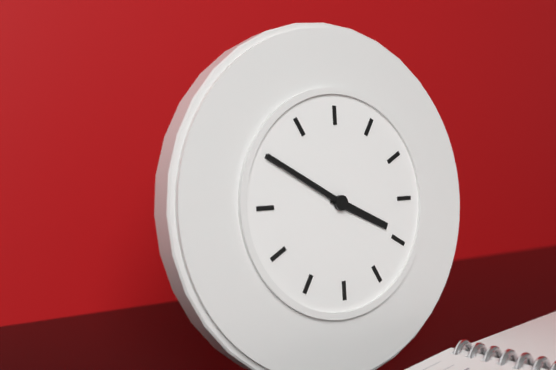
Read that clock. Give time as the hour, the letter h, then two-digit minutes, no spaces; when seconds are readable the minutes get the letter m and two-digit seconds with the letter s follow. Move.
3h50
